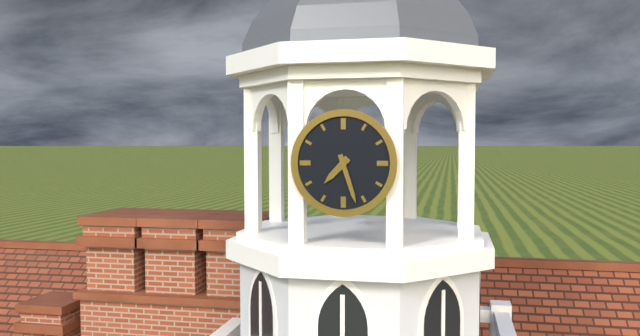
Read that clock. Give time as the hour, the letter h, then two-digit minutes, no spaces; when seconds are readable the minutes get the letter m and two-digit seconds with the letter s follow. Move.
7h27
